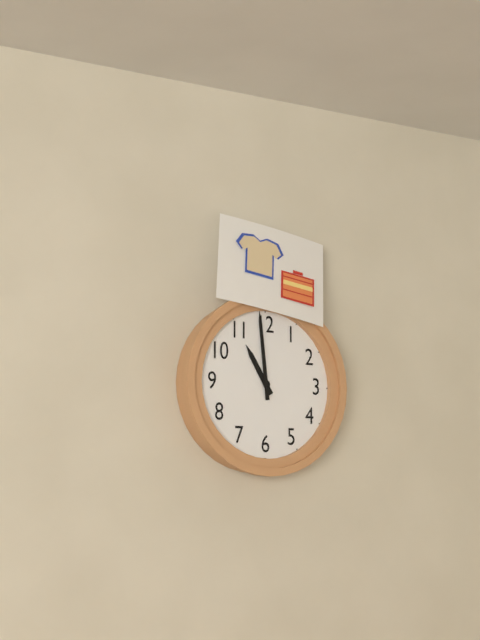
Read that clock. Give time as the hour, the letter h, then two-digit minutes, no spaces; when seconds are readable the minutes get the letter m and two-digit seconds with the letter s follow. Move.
10h59
